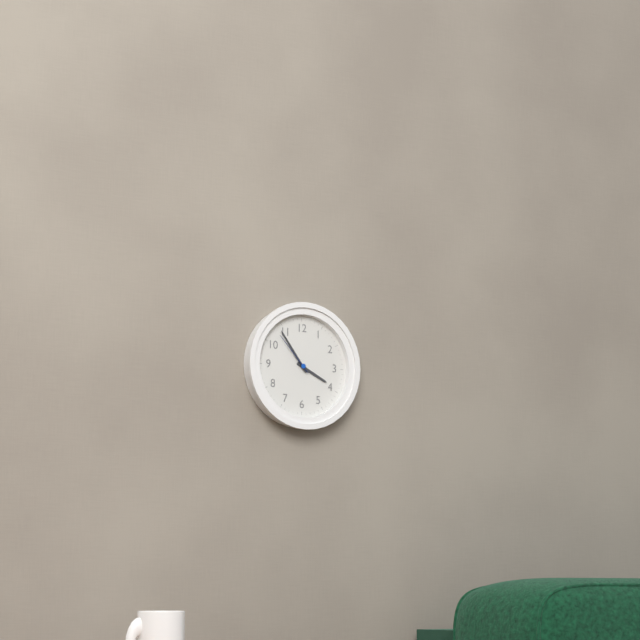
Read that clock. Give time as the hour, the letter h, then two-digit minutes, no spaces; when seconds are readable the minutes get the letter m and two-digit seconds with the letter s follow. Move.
3h54
